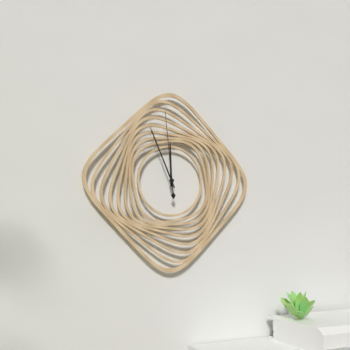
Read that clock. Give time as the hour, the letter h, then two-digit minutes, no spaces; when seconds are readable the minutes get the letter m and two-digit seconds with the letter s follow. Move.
11h56m59s
